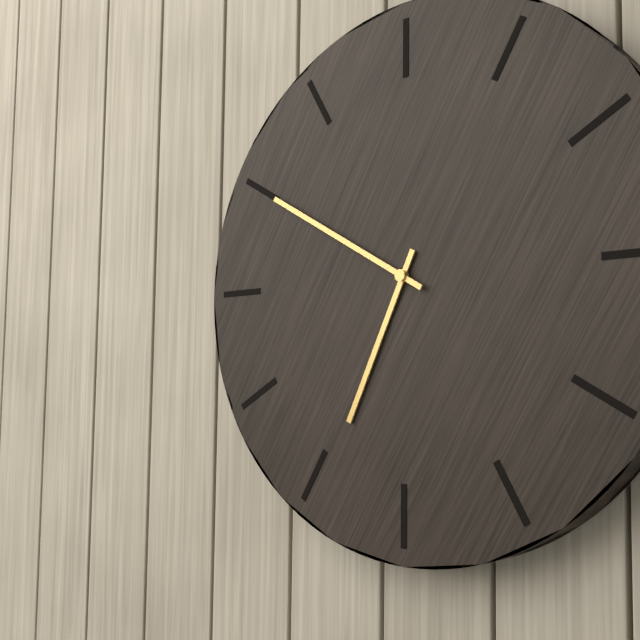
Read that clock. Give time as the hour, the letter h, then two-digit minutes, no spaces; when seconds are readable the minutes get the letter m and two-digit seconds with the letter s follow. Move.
6h50
